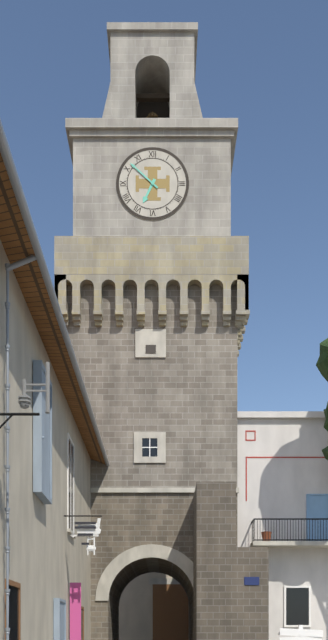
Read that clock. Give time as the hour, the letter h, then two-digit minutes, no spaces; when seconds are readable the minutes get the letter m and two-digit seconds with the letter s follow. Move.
6h52
